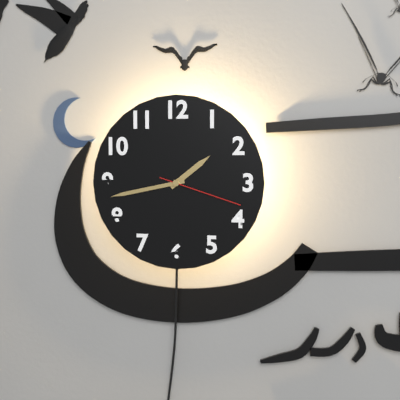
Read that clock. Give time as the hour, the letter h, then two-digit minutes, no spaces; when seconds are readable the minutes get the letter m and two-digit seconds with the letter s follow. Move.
1h43m18s
